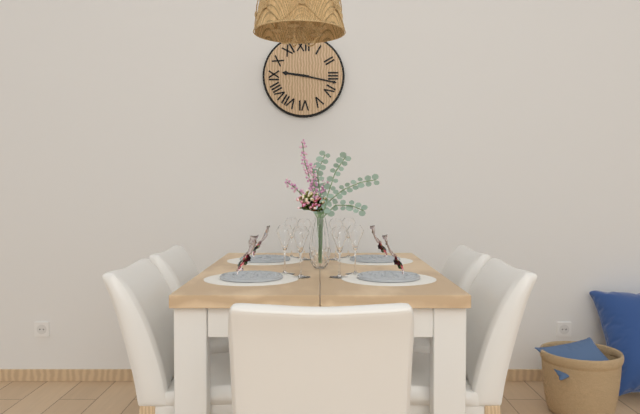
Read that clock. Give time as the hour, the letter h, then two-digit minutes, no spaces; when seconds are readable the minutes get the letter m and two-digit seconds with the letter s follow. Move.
9h17
